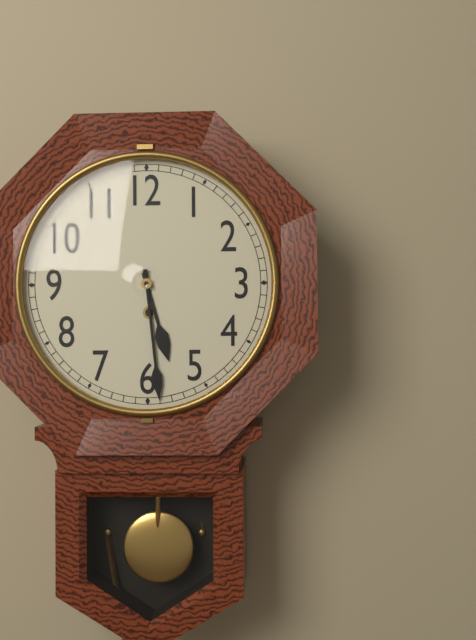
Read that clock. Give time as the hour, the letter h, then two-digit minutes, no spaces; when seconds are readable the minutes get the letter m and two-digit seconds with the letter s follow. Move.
5h29
